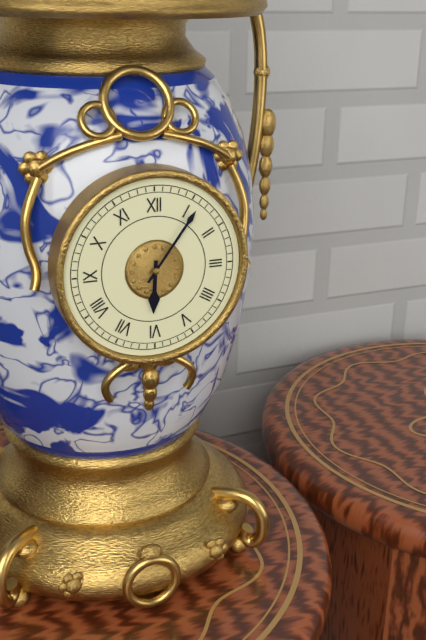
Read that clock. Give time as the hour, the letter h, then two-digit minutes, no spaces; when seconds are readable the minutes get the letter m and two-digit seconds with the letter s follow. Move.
6h06
